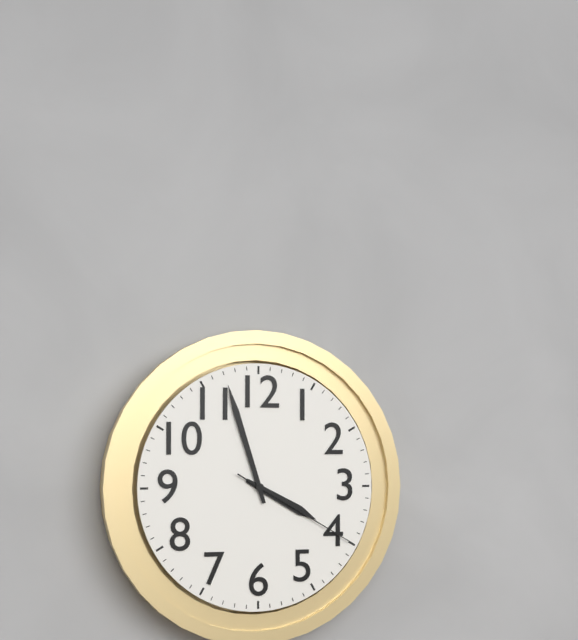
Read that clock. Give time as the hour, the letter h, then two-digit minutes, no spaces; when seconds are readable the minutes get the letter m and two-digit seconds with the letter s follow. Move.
3h57m20s
